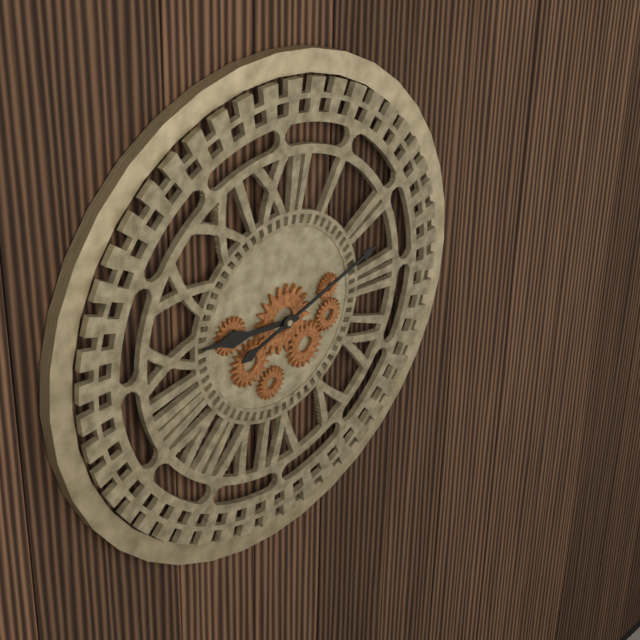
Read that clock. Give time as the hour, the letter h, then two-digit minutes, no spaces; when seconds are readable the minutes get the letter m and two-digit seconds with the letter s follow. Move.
9h12
